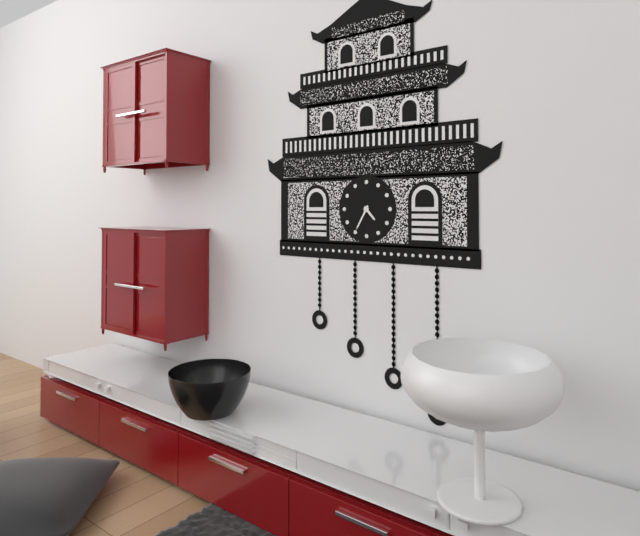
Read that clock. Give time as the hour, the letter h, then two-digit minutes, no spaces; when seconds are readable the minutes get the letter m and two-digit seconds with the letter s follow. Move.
4h35
